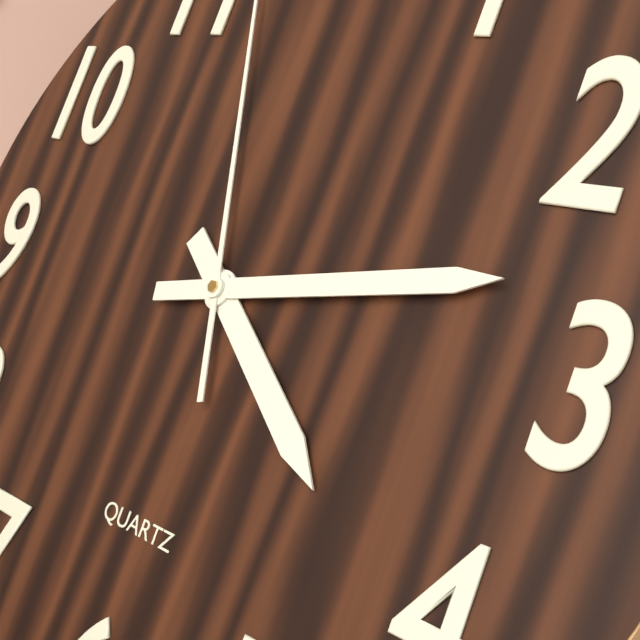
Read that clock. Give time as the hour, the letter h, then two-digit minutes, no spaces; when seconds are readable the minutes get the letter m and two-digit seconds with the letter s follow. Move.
4h13
